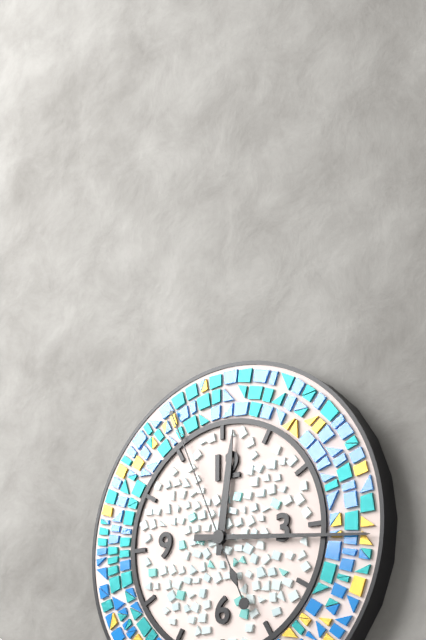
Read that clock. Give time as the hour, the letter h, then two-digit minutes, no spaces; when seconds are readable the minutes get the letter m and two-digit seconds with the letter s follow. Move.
12h16m56s
